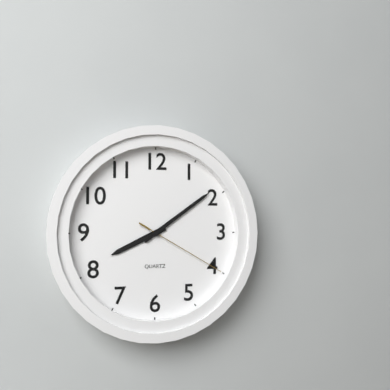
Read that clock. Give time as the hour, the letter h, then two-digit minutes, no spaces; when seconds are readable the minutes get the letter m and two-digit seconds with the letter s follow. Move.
8h09m20s
